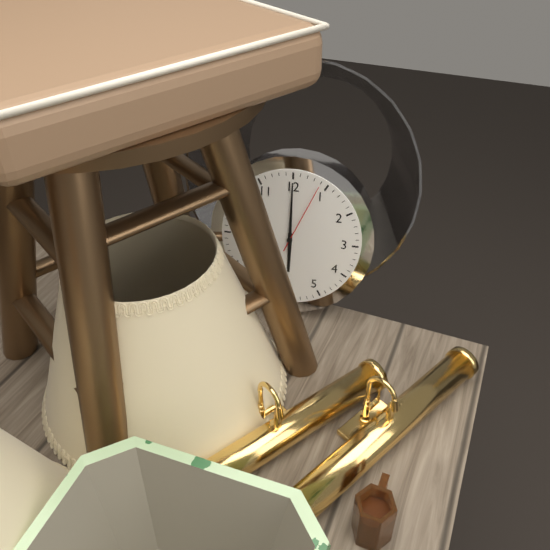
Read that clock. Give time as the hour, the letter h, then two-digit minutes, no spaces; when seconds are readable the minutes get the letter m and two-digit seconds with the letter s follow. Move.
6h00m04s
